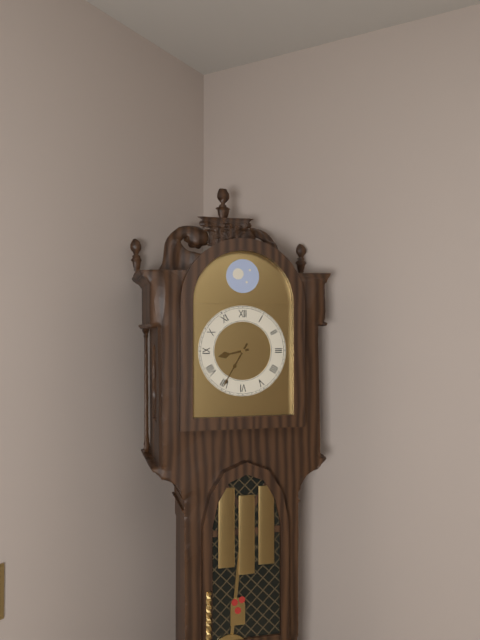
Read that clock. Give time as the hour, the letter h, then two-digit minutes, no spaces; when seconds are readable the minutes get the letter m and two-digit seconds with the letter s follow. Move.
8h35
